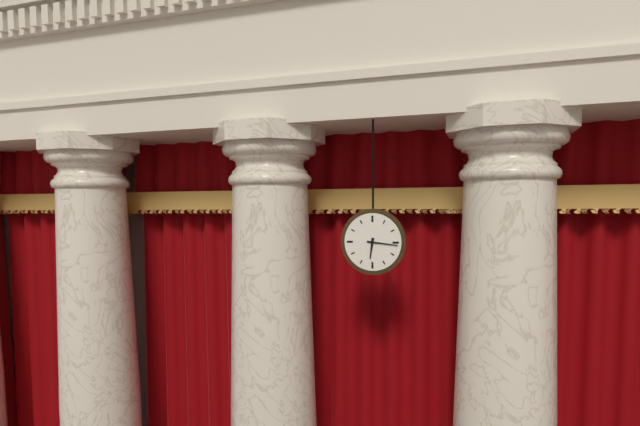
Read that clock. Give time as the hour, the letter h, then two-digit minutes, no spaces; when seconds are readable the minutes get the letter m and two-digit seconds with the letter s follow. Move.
6h16
